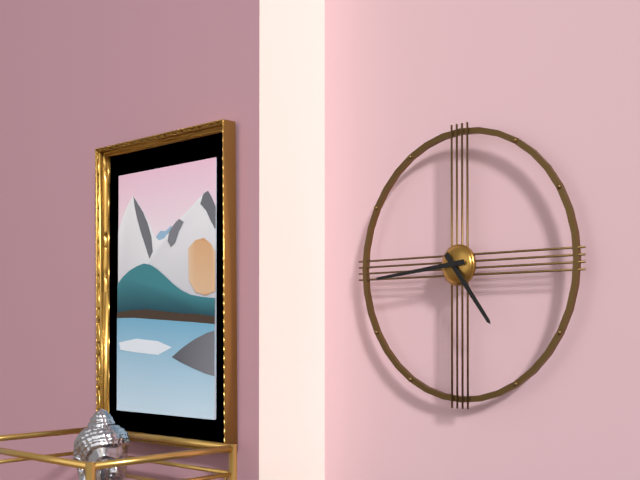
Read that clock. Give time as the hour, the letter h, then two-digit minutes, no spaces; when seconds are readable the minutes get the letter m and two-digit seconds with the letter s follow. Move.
4h44
